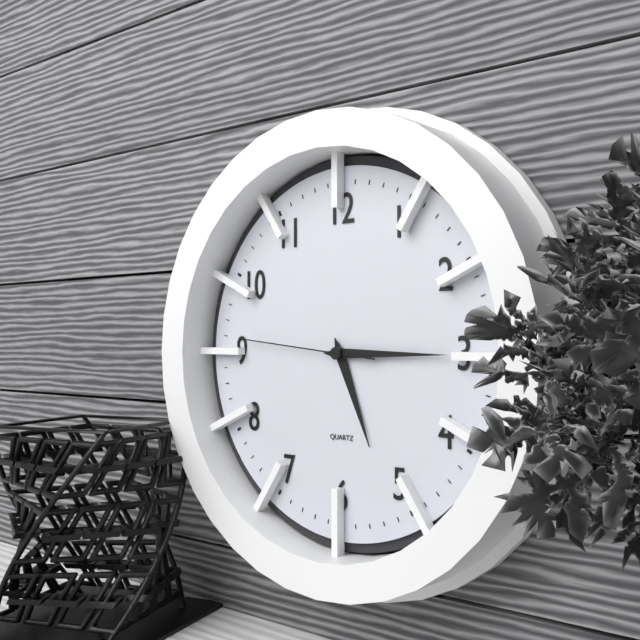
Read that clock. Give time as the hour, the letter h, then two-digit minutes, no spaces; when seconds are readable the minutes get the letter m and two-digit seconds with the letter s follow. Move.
5h15m46s
